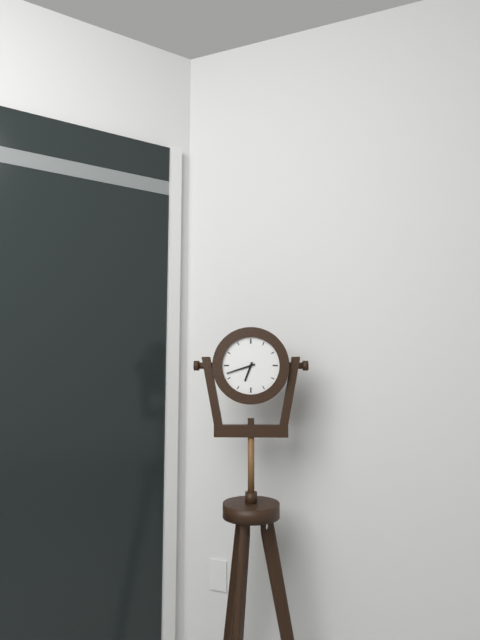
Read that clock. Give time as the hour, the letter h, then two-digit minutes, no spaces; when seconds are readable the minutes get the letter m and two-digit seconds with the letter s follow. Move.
6h42
